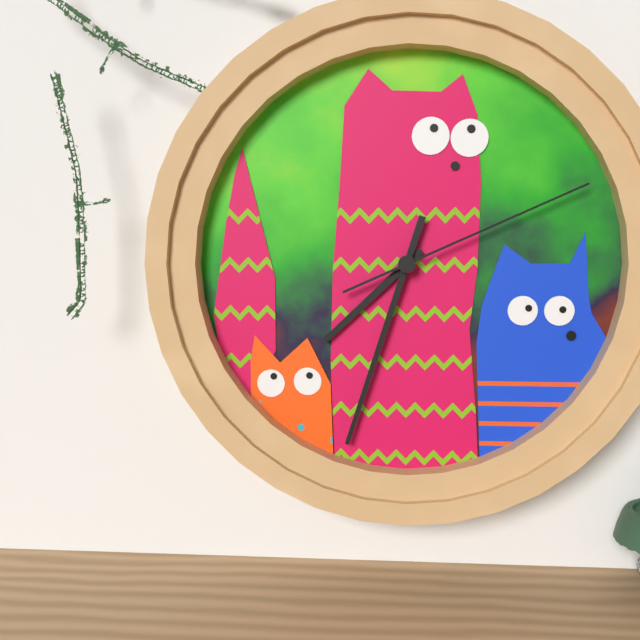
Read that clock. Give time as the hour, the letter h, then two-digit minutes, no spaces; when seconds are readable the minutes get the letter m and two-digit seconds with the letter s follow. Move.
7h33m11s
